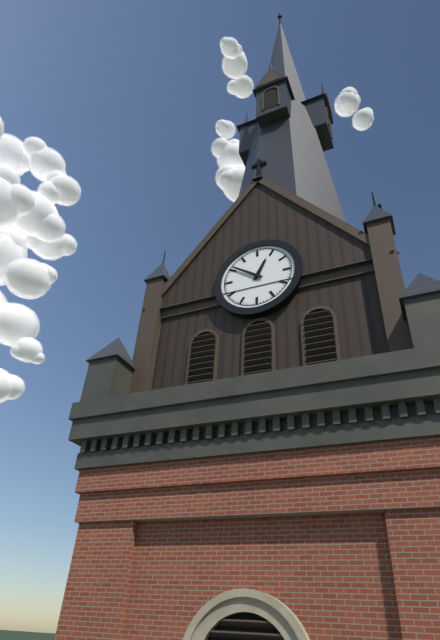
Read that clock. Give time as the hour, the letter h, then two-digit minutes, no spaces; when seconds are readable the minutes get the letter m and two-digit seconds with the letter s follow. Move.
12h51
